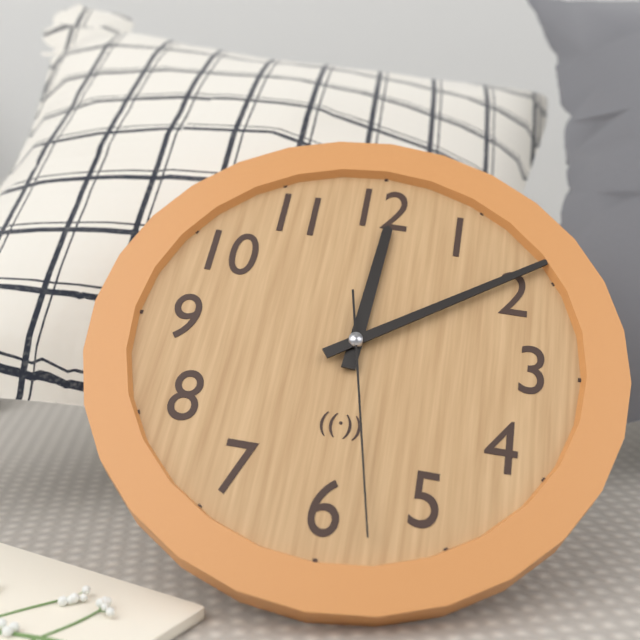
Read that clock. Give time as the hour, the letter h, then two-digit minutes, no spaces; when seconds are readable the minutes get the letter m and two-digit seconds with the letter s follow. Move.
12h09m28s
